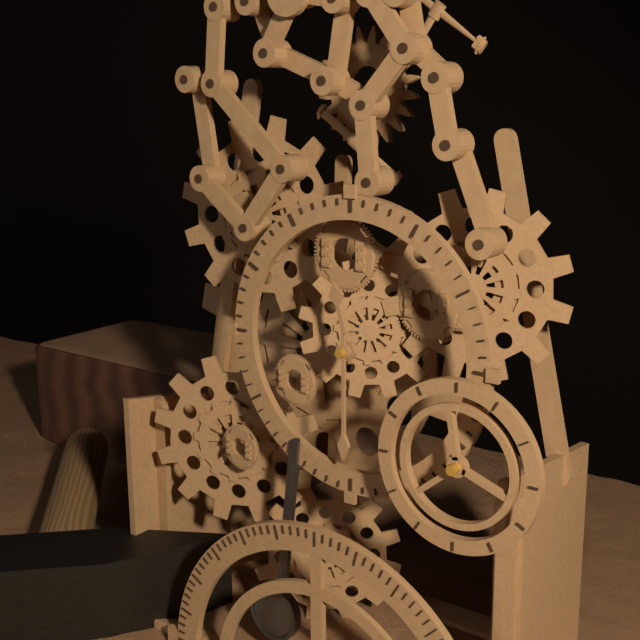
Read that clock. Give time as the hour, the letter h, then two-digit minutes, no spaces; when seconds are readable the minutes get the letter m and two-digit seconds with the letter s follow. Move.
11h30
